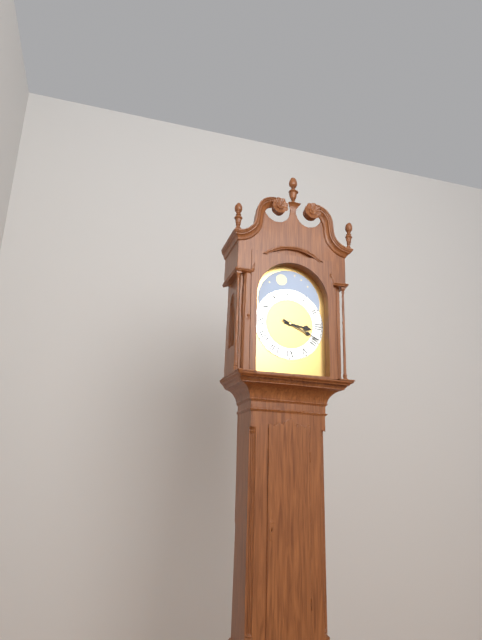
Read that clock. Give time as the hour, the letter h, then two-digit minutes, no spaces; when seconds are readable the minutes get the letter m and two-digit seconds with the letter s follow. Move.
3h19
